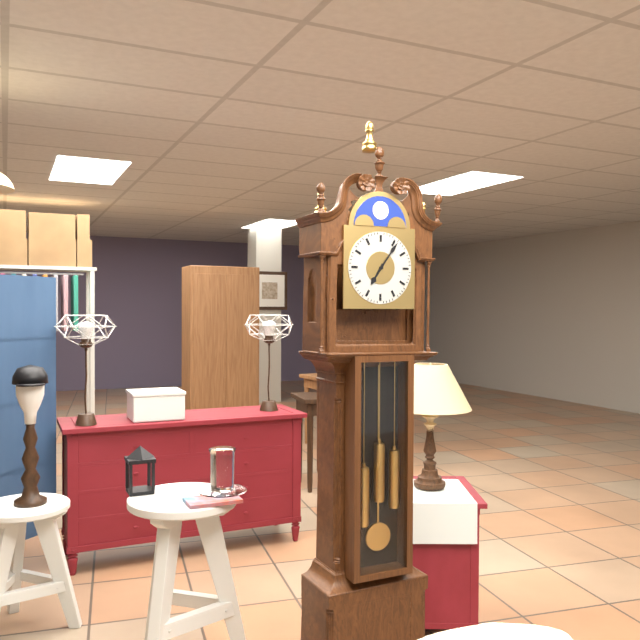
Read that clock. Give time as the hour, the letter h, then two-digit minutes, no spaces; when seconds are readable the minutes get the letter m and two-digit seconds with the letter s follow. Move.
7h06
